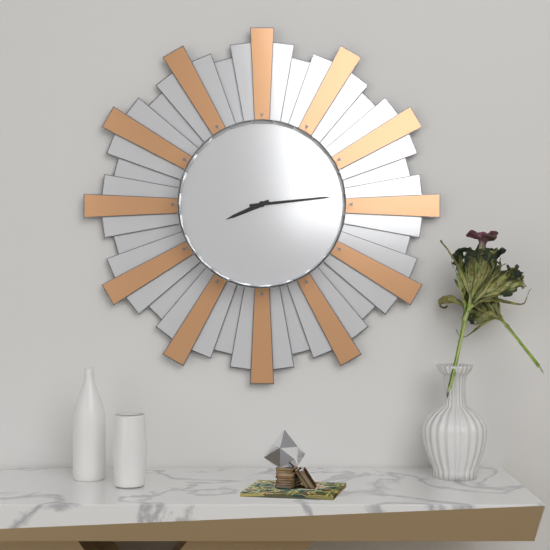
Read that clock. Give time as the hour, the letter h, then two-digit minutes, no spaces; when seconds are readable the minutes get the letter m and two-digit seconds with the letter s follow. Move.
8h14
